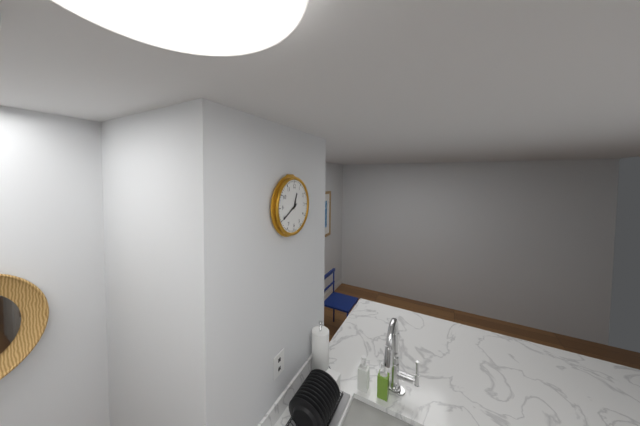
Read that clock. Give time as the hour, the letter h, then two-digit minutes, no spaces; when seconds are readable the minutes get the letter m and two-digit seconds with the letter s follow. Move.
12h40
